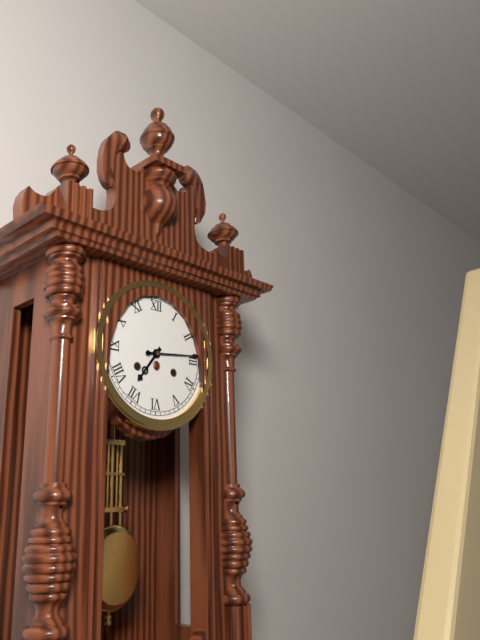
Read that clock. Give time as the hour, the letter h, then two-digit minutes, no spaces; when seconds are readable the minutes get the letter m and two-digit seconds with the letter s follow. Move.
7h14
